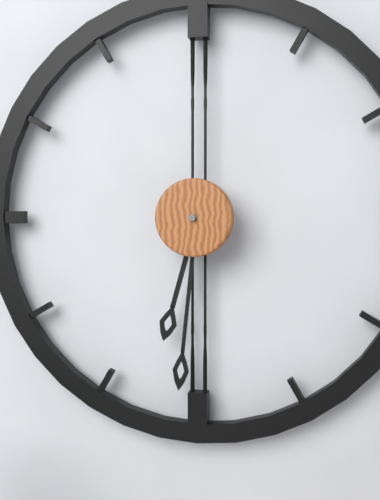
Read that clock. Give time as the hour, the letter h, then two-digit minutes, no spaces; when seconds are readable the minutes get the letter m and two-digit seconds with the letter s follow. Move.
6h31
